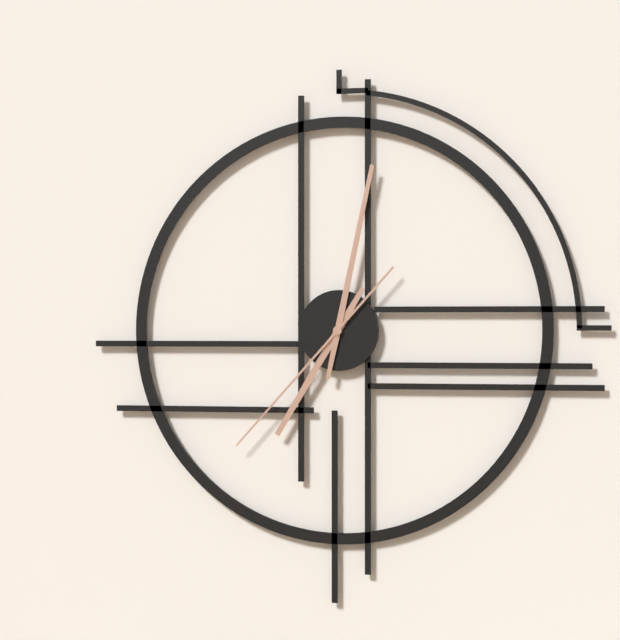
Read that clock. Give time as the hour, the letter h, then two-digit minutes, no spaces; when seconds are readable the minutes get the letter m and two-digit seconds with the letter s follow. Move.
7h02m37s
